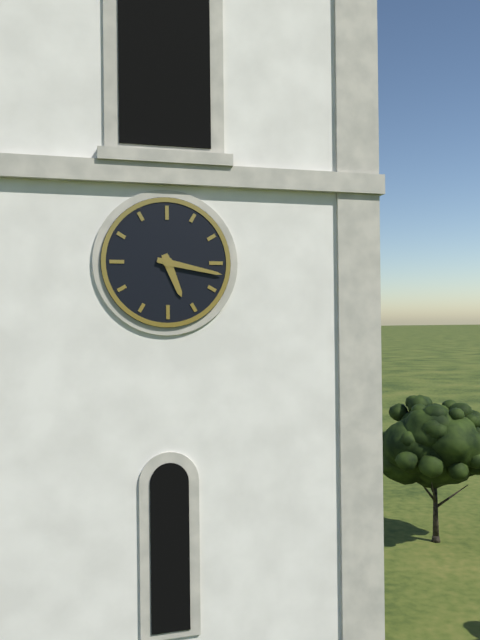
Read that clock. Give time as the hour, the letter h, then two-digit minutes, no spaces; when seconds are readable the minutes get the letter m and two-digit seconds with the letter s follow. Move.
5h17
